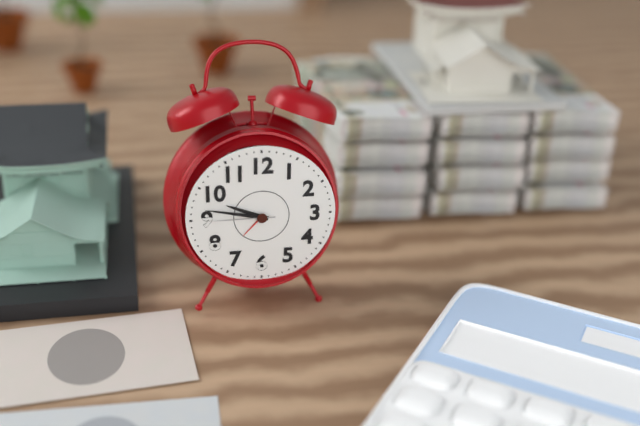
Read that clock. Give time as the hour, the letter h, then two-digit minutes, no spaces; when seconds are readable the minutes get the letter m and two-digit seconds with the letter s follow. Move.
9h47m45s
